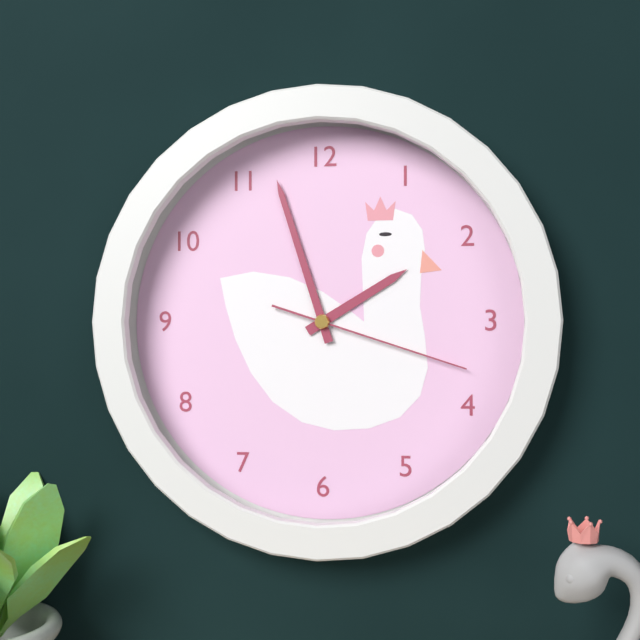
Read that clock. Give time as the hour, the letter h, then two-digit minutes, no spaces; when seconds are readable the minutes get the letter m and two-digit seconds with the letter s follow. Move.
1h57m18s
